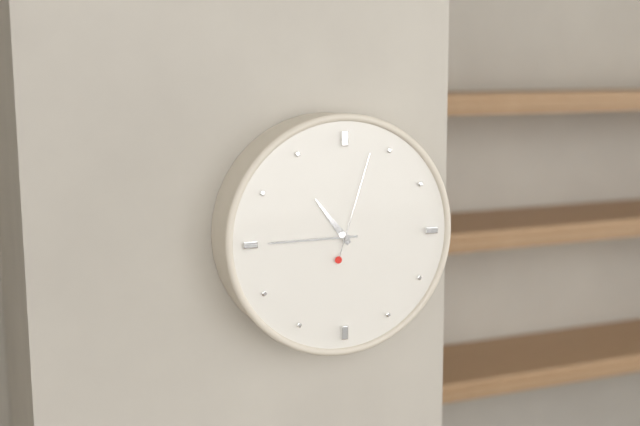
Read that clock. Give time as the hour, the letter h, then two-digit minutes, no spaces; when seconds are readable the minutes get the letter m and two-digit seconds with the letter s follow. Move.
10h45m03s
